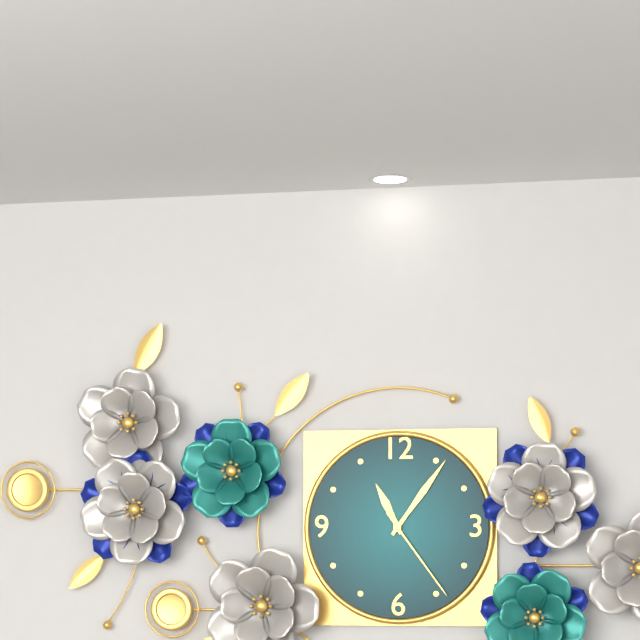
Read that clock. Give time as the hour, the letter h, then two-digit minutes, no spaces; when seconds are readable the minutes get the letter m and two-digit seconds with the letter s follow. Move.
11h06m24s
